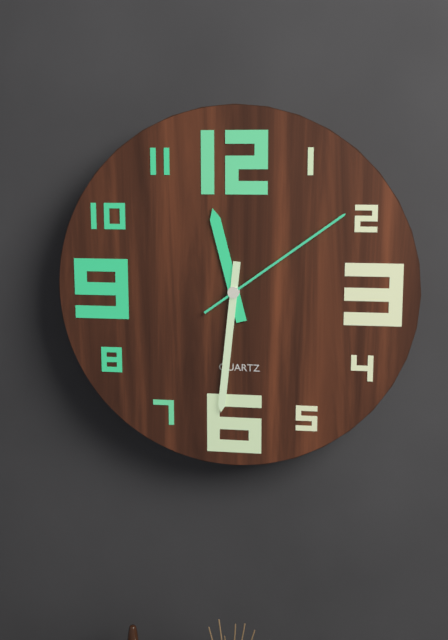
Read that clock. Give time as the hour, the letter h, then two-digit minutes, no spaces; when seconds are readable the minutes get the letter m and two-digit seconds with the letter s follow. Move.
11h31m09s
